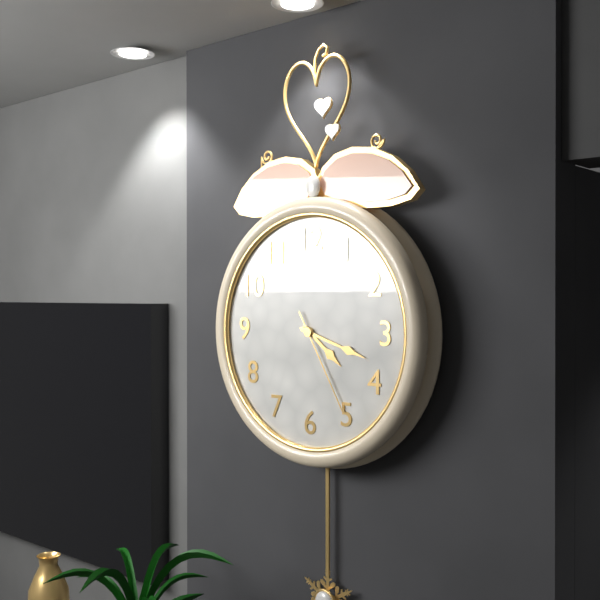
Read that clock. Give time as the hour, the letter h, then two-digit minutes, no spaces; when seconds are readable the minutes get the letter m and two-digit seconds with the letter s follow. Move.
4h18m25s
